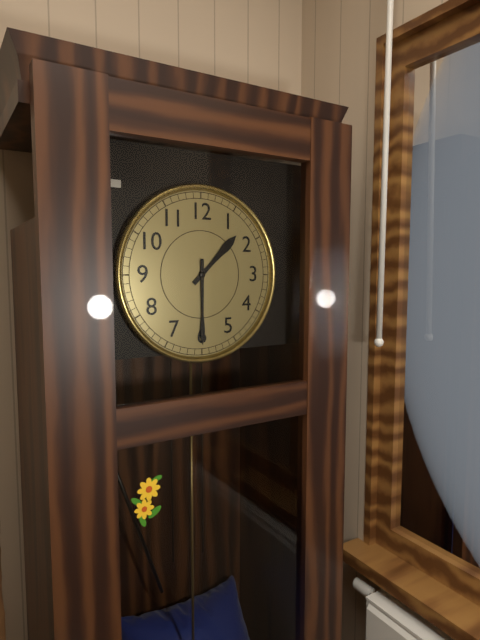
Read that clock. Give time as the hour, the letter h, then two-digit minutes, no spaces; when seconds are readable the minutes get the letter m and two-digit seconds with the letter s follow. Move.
1h30
